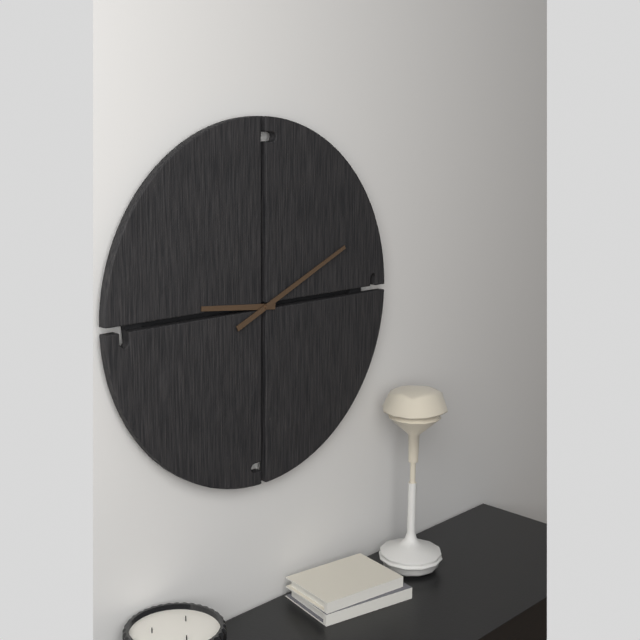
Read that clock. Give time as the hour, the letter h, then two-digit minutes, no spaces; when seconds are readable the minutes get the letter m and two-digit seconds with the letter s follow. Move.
9h11
